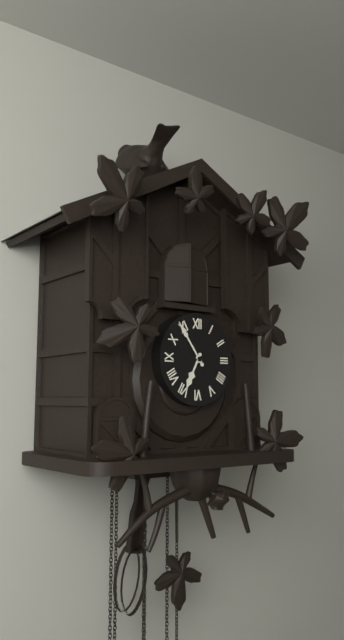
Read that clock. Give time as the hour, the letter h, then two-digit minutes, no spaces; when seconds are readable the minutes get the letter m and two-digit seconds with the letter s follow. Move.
6h54
